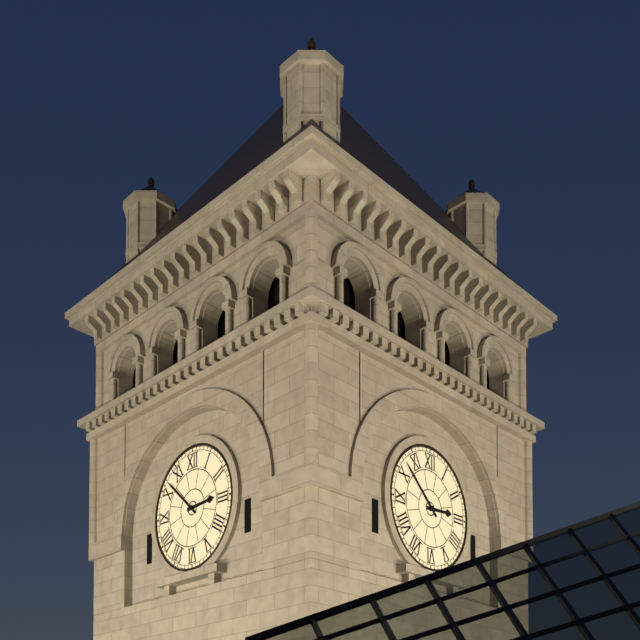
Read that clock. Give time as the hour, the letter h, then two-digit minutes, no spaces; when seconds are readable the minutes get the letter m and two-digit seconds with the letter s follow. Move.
2h52
